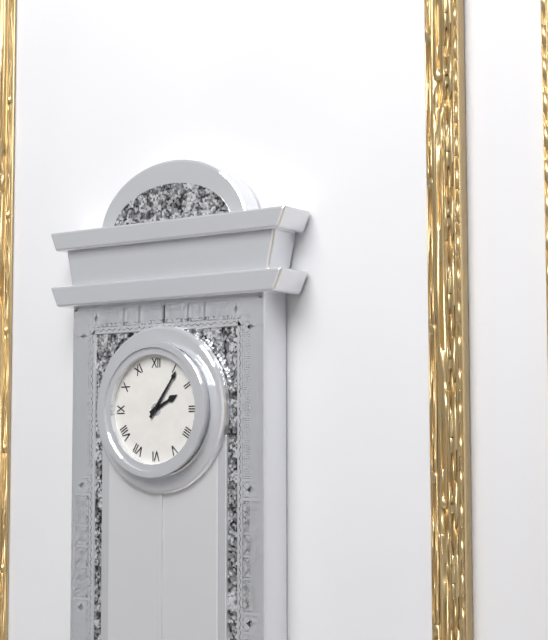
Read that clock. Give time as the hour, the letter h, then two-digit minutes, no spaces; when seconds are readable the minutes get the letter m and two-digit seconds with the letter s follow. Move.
2h06
